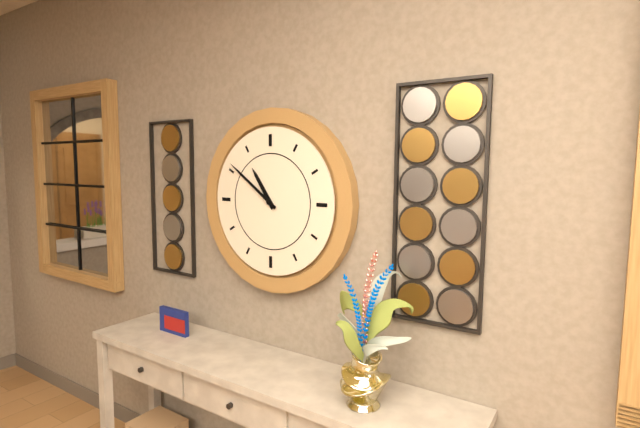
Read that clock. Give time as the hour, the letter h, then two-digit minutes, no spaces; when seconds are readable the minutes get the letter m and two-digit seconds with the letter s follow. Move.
10h51
